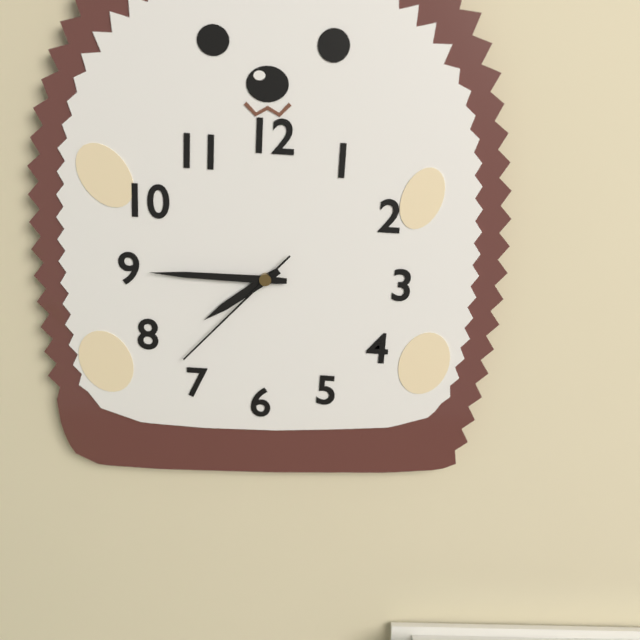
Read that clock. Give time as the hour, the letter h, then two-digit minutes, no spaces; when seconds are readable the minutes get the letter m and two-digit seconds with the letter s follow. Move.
7h45m37s
